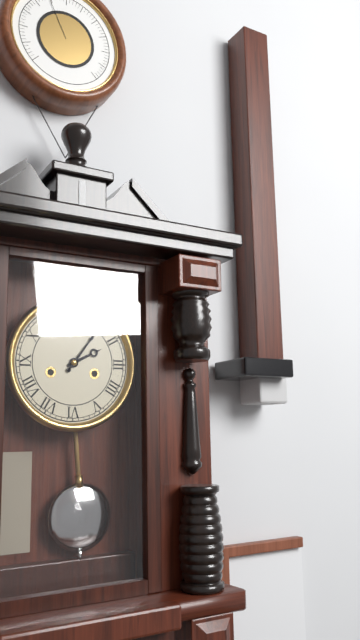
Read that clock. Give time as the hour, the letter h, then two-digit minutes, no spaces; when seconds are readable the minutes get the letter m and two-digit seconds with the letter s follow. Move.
2h06
